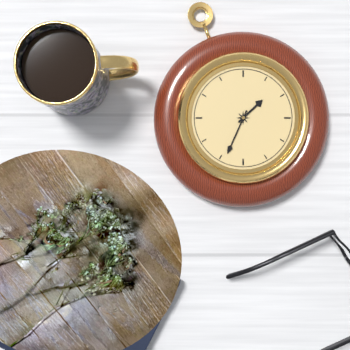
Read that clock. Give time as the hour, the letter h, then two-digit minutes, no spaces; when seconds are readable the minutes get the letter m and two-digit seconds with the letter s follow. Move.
1h34
